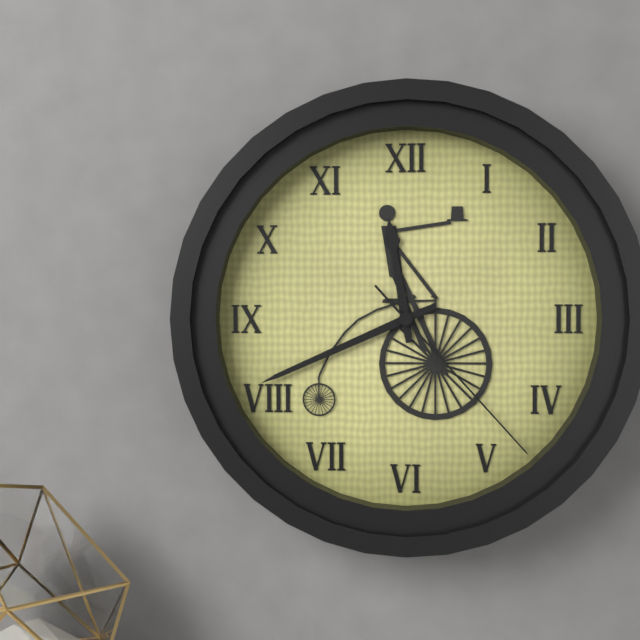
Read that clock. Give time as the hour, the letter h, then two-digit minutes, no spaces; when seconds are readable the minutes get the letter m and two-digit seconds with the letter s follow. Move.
11h41m23s
